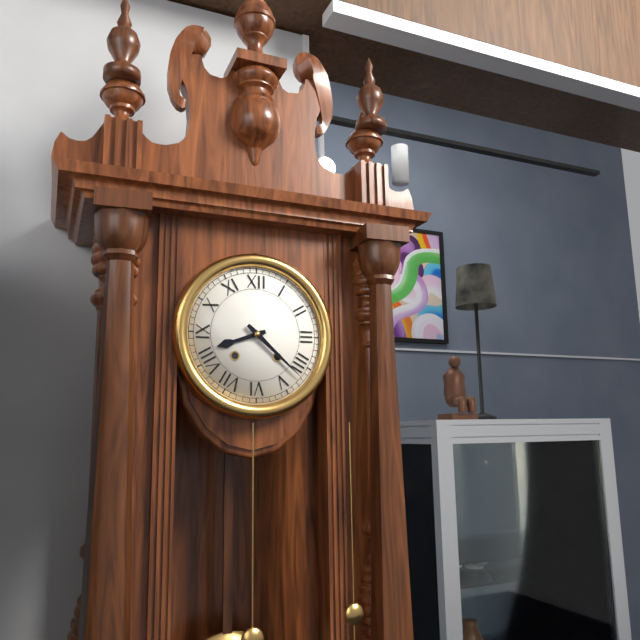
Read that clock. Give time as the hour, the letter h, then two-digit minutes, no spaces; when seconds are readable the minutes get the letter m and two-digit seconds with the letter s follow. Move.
8h22
